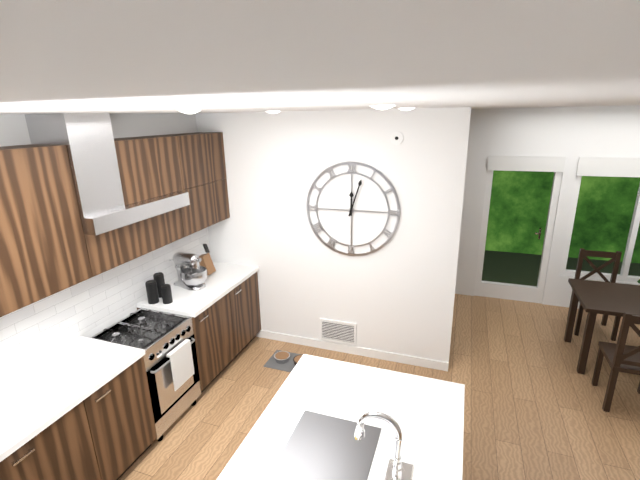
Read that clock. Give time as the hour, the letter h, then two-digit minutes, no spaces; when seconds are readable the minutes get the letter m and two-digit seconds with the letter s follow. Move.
12h03
